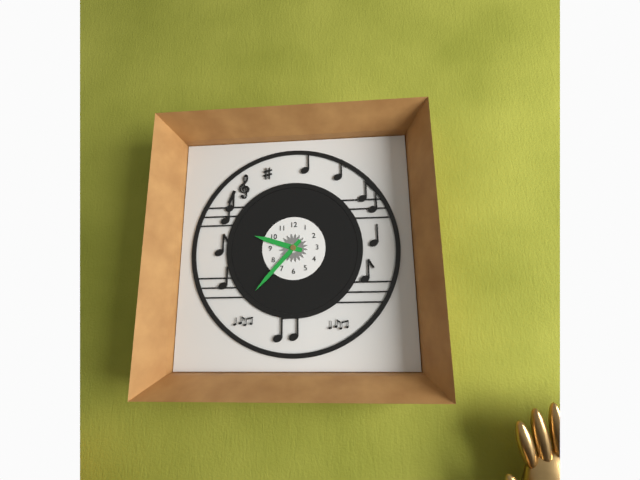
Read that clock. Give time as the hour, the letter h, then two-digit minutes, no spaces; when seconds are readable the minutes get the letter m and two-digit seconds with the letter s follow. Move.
9h37
